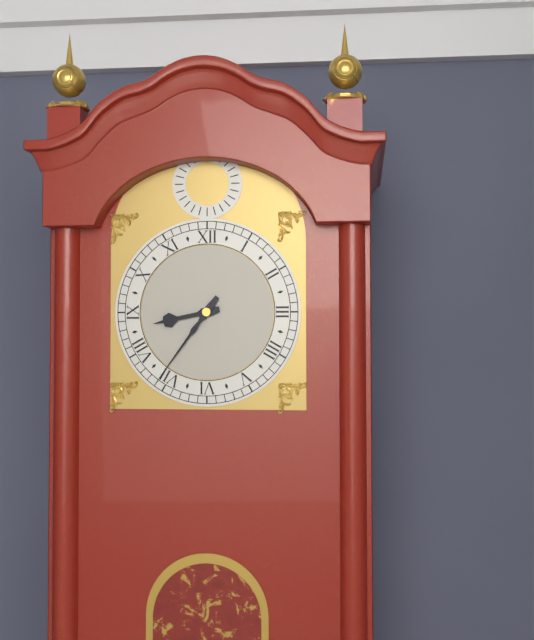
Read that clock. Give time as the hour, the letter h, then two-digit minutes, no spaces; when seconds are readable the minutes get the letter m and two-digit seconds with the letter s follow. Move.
8h36
